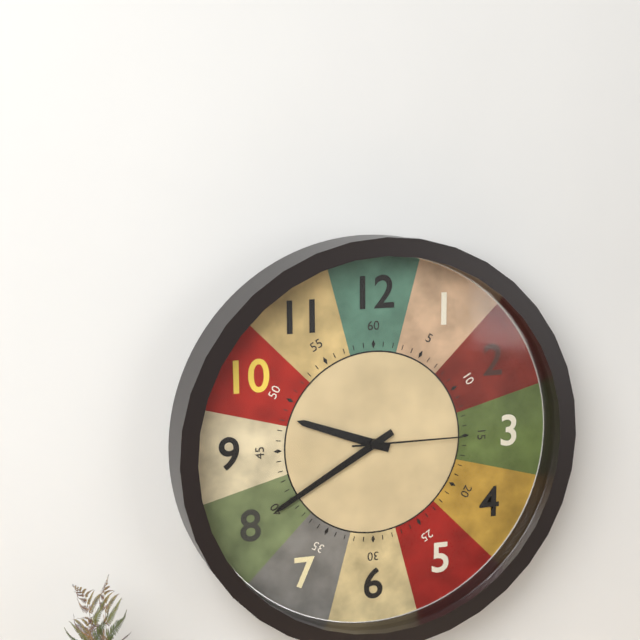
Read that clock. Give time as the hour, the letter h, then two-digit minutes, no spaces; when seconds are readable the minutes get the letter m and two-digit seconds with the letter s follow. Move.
9h40m15s
